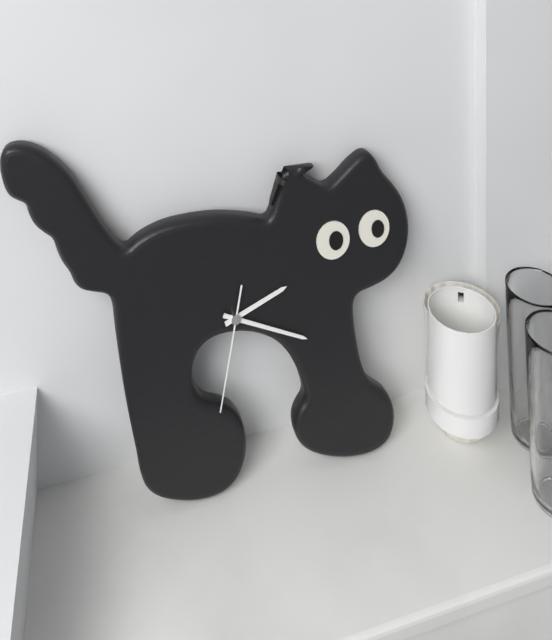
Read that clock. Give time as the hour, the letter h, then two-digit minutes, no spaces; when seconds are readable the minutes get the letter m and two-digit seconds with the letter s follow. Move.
2h19m32s
